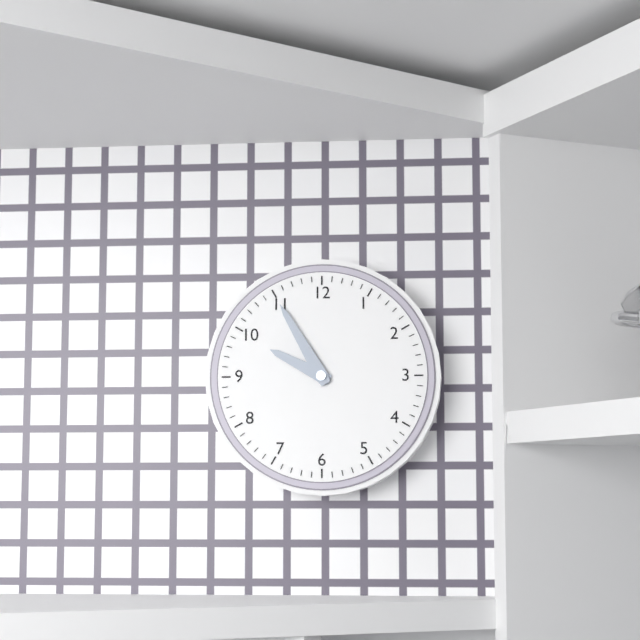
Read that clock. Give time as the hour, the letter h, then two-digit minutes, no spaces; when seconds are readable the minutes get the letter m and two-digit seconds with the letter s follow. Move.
9h55
